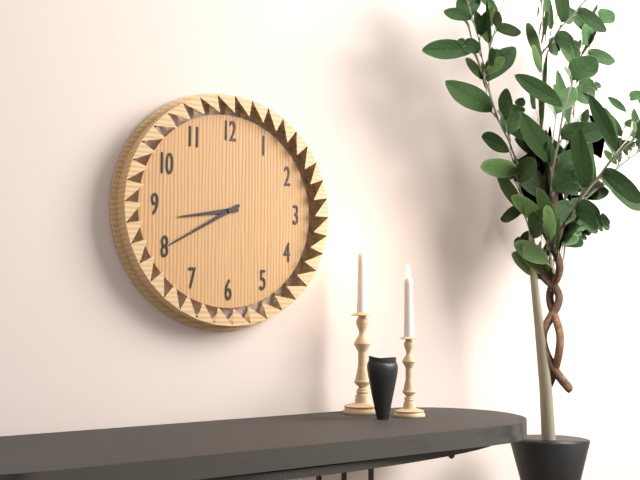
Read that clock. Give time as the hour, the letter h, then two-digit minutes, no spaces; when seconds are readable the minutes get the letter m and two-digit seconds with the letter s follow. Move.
8h40
